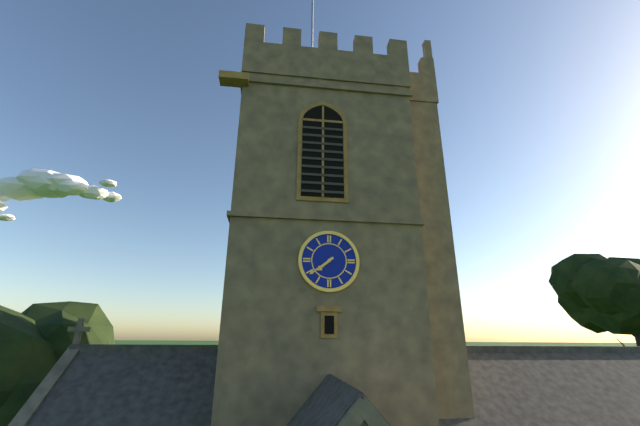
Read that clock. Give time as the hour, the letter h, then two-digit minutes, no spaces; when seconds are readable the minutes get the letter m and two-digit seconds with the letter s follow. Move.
7h39
